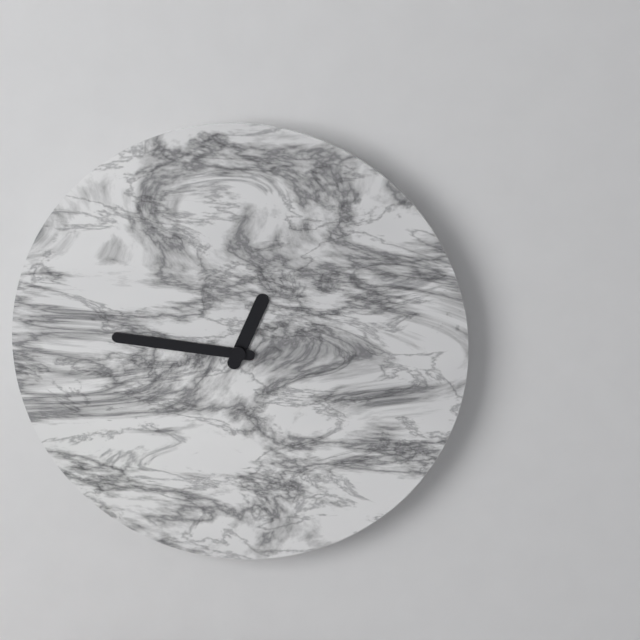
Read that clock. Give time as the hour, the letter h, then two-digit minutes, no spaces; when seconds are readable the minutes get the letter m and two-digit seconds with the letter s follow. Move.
12h46
